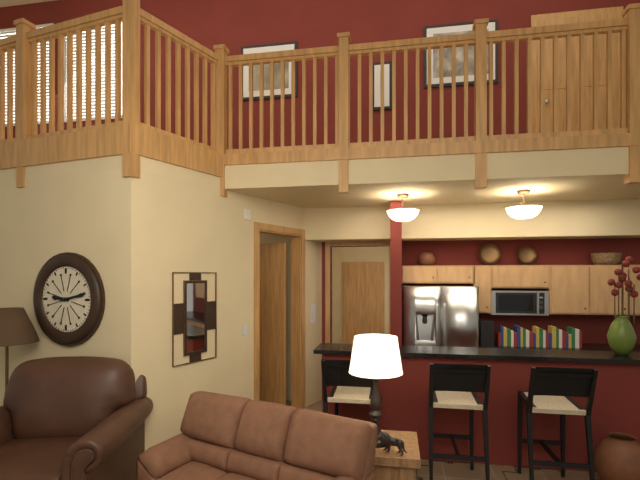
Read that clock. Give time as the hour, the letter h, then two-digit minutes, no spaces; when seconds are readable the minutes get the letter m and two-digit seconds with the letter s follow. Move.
9h13
